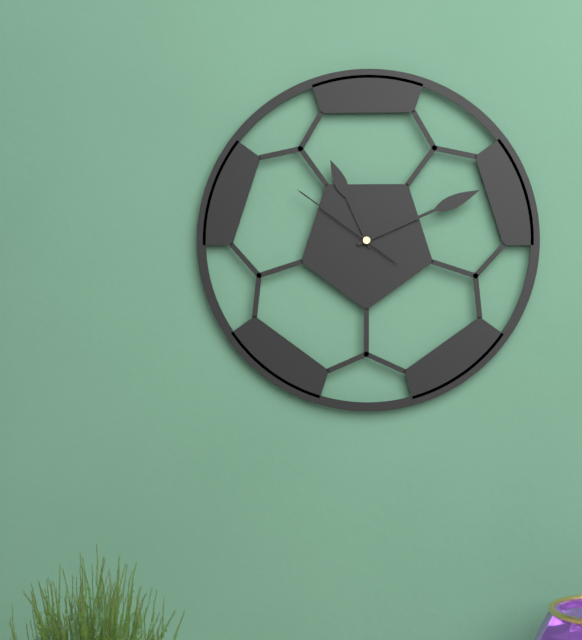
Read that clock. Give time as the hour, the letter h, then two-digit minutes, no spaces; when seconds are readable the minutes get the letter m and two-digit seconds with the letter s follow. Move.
11h11m51s
